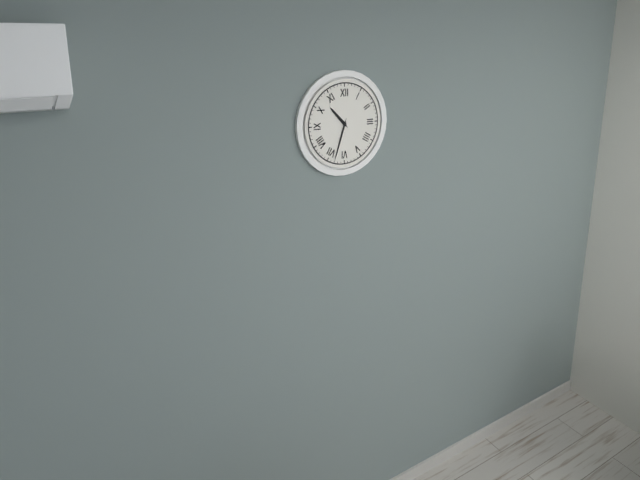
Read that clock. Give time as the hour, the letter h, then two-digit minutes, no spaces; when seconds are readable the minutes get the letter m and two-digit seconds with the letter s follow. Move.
10h33
